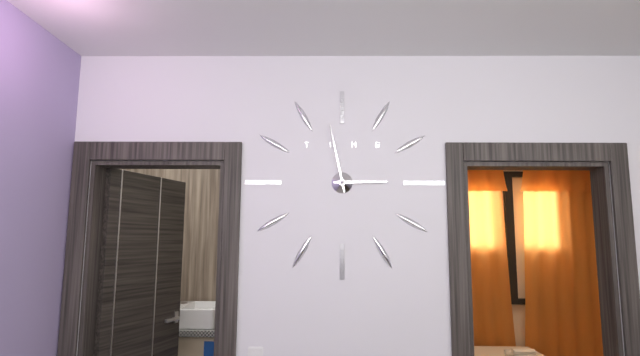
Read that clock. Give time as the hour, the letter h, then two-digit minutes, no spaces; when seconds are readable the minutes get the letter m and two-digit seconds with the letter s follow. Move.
2h58
